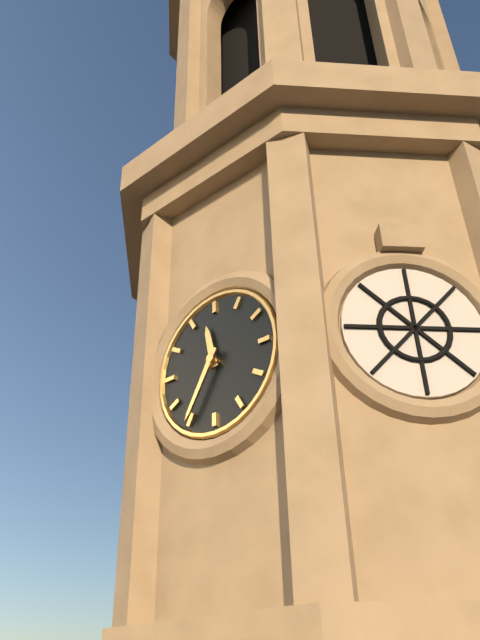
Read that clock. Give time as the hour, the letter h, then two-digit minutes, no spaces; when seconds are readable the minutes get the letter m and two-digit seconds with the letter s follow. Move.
11h35
